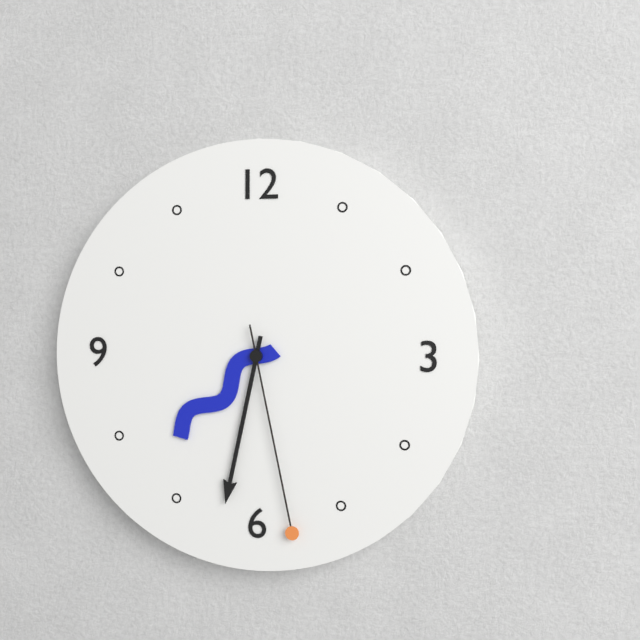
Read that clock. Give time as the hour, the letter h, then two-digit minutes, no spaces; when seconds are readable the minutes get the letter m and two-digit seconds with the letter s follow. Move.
7h32m28s
